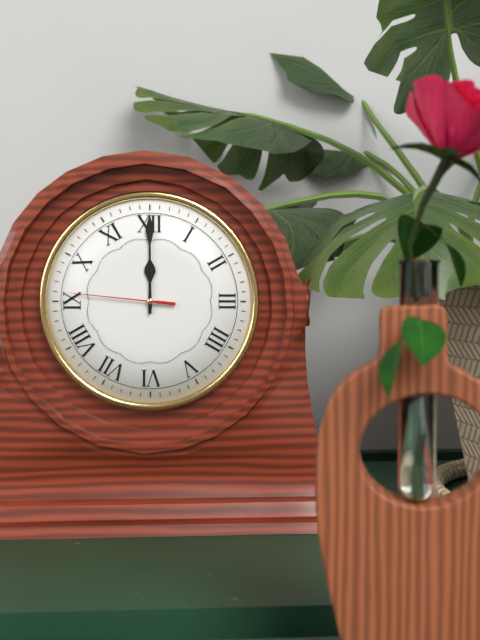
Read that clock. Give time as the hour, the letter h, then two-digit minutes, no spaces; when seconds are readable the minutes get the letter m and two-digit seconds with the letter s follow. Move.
12h00m46s
